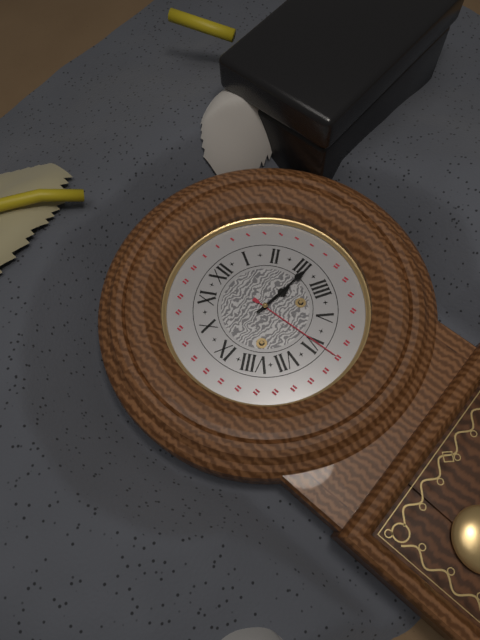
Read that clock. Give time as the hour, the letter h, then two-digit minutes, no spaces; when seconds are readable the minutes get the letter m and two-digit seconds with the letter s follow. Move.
3h16
